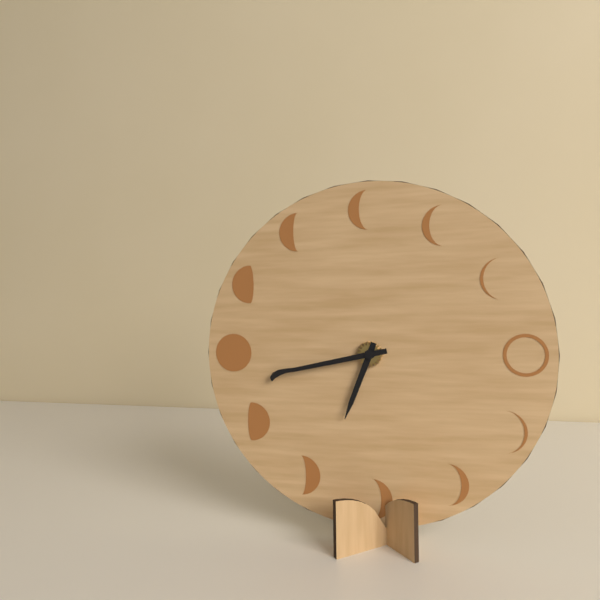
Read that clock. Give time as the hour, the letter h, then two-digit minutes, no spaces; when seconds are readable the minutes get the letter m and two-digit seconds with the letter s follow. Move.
6h43
